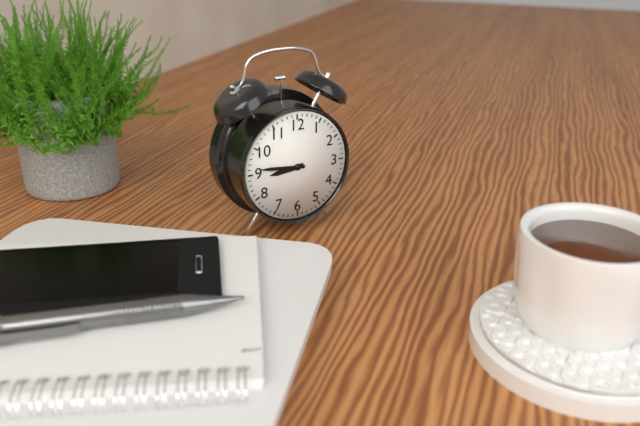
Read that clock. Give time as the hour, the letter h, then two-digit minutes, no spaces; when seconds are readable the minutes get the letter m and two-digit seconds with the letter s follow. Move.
8h46
